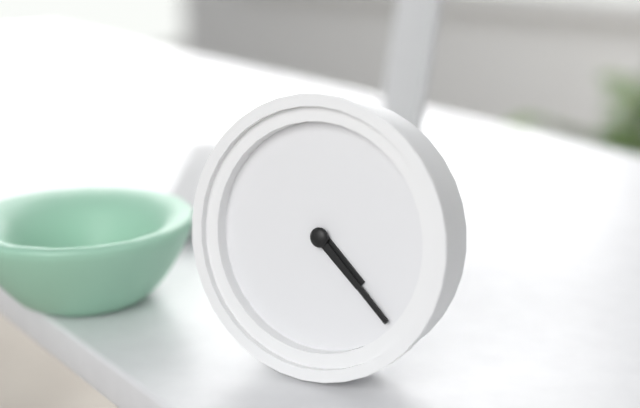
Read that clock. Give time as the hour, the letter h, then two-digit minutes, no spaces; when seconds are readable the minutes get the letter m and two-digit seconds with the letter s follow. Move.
4h22
